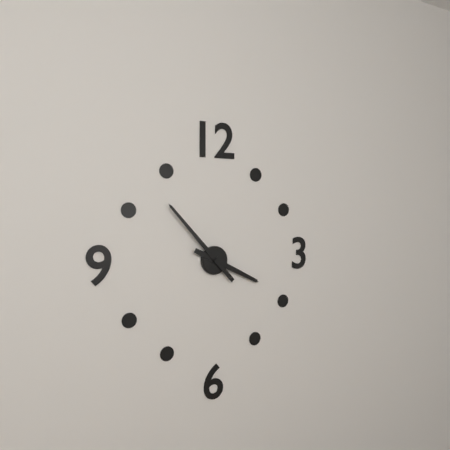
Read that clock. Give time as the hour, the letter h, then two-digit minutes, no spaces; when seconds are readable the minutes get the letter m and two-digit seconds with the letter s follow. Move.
3h53
